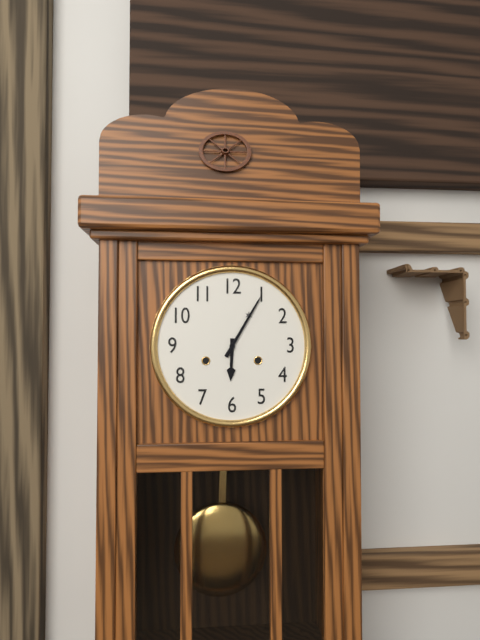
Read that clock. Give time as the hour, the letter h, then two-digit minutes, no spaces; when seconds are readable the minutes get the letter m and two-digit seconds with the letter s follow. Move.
6h05
